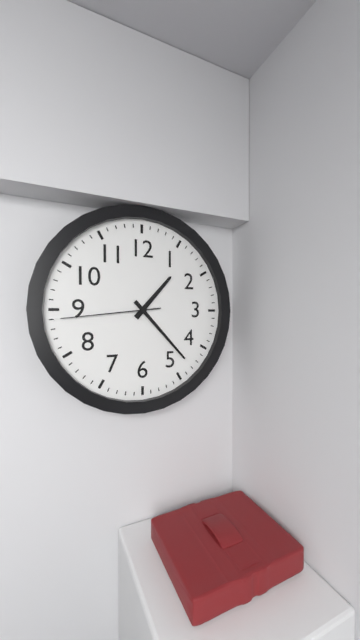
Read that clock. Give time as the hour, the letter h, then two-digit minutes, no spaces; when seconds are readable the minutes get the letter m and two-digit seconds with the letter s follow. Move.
1h23m44s
